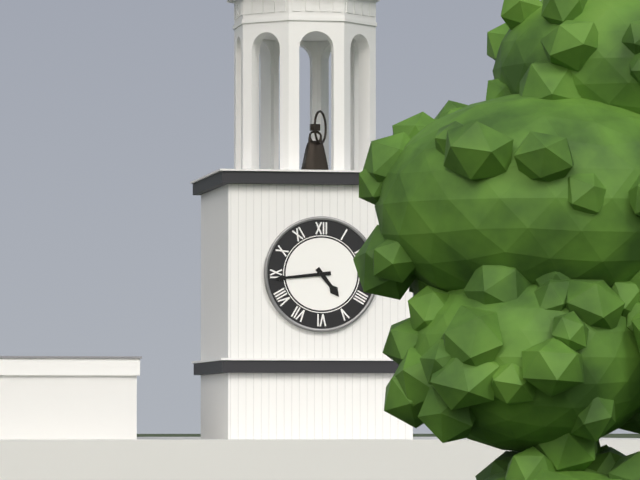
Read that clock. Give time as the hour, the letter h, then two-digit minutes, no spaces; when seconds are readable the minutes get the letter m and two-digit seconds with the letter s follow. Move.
4h44
